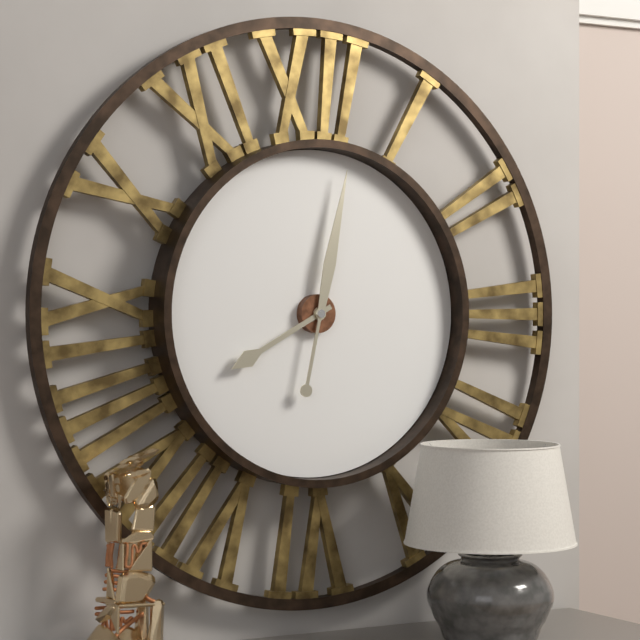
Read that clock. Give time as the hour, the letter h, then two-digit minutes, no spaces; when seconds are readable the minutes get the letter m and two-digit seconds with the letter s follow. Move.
8h02
